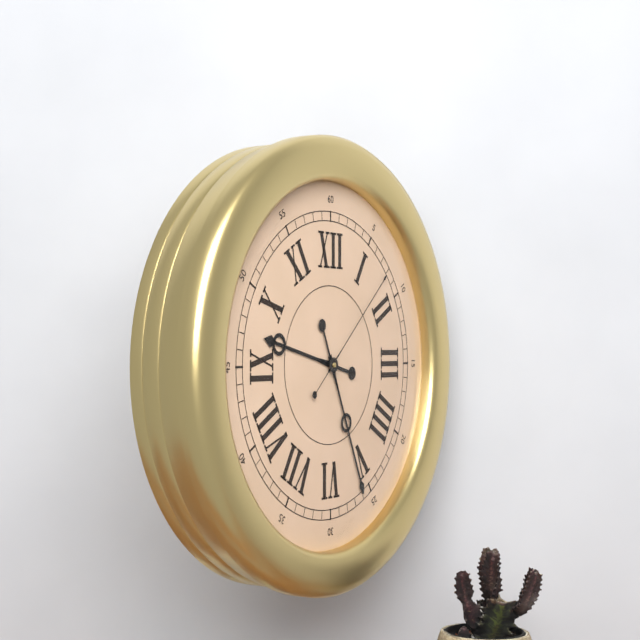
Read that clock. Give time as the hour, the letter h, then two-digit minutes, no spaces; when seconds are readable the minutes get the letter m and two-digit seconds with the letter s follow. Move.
9h26m08s
